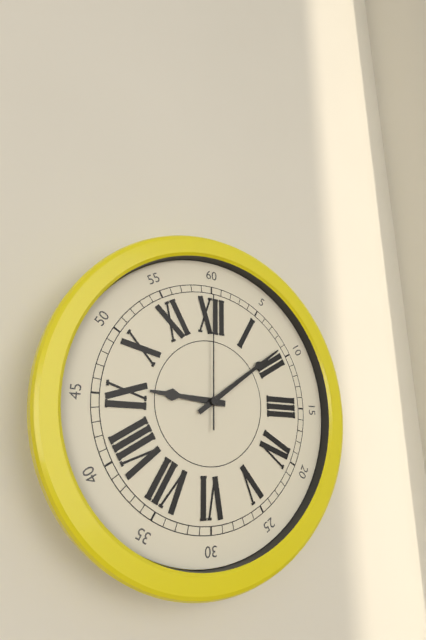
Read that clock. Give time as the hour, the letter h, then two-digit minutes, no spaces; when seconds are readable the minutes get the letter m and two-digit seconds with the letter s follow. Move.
9h09m00s
